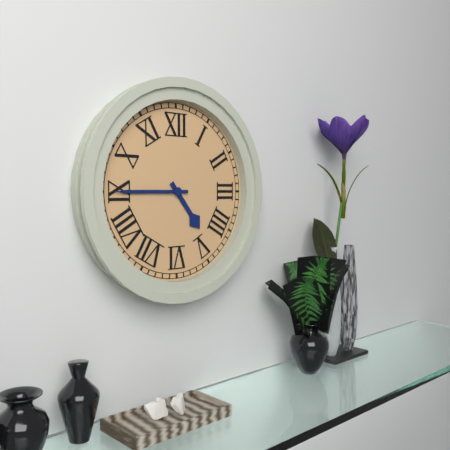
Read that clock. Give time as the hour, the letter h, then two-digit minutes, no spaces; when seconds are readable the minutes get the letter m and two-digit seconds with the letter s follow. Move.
4h45
